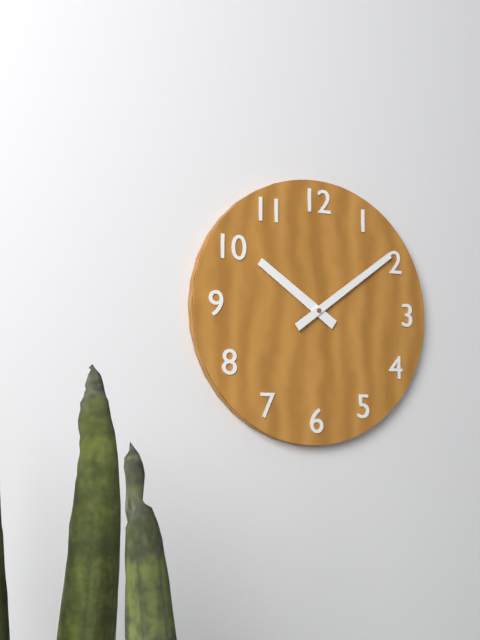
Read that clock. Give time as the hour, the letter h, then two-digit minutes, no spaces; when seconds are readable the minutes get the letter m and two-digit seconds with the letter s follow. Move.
10h09
